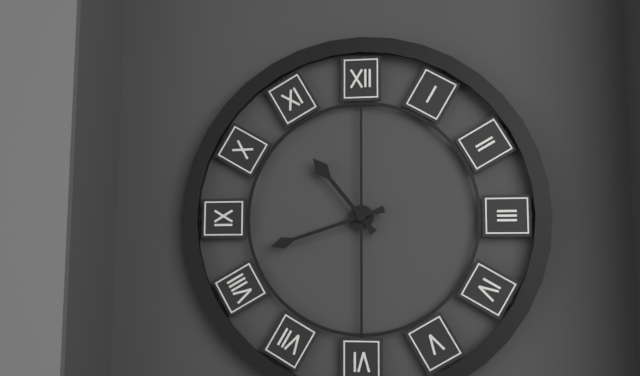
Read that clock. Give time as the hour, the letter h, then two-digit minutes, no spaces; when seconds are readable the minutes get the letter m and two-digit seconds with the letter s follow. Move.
10h42
